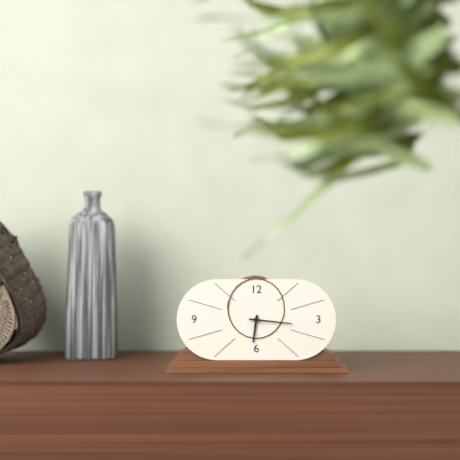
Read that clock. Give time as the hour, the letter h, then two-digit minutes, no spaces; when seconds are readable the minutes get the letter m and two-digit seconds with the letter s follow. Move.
6h16
